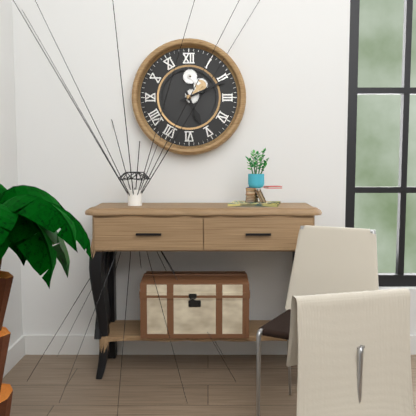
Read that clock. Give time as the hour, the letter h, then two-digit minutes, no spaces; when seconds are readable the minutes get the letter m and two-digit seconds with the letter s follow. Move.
5h11
